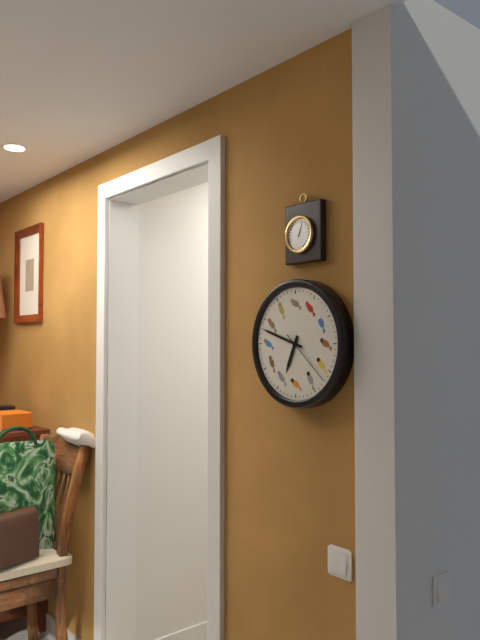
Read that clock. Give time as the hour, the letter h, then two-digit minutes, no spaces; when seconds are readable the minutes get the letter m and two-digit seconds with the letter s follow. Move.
6h48m22s
